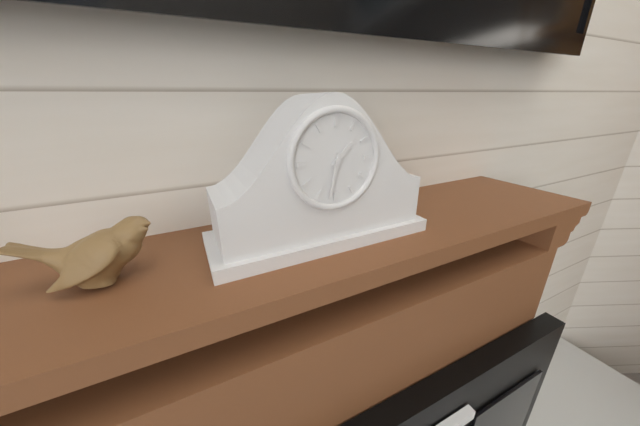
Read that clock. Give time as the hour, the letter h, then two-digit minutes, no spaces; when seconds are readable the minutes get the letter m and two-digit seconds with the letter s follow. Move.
1h32
